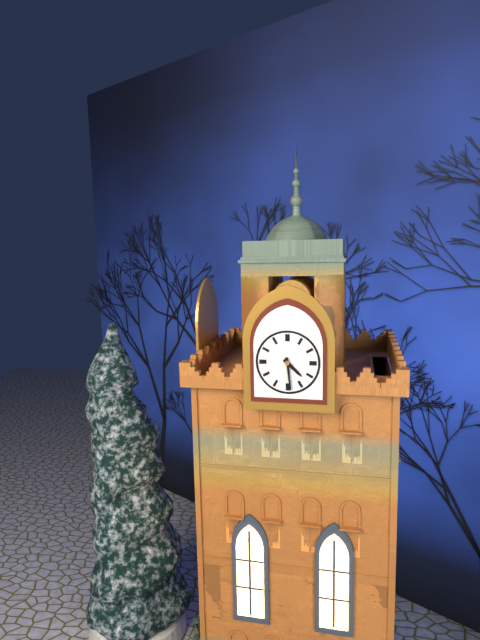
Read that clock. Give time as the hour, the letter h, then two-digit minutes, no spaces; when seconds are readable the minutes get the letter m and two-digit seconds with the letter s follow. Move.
4h29
